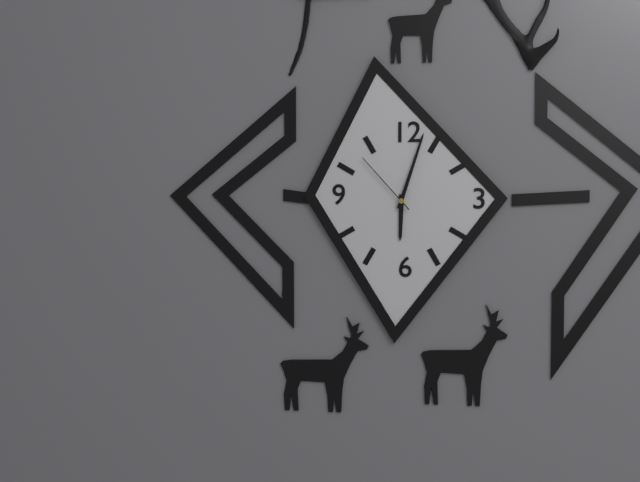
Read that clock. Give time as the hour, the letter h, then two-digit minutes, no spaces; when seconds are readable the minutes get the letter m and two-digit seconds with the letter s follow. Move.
6h03m53s
